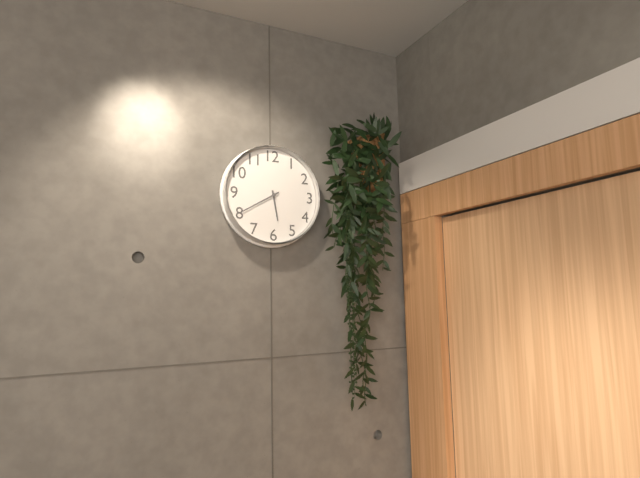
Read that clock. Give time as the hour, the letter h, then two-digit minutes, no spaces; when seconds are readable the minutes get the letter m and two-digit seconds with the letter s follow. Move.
5h40
